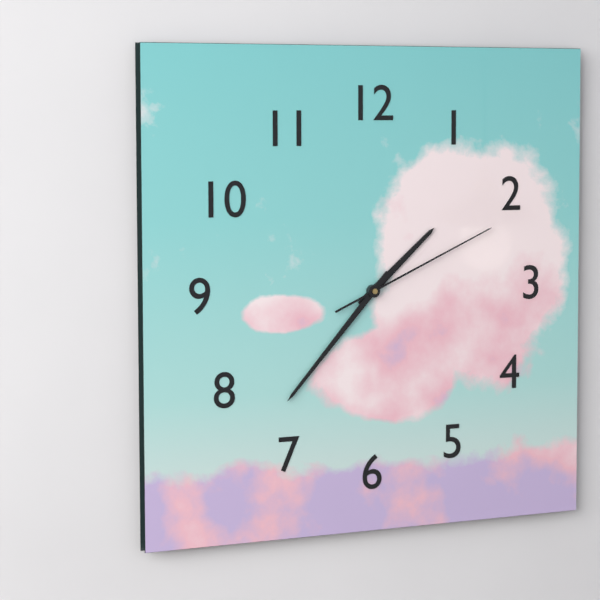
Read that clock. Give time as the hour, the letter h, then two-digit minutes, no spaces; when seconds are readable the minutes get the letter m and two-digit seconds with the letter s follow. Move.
1h37m11s
